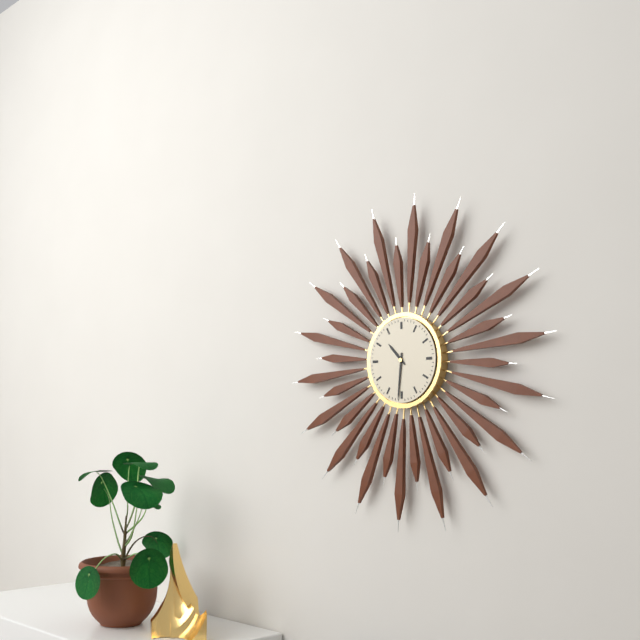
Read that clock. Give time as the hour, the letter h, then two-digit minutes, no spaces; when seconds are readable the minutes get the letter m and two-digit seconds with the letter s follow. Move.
10h31
